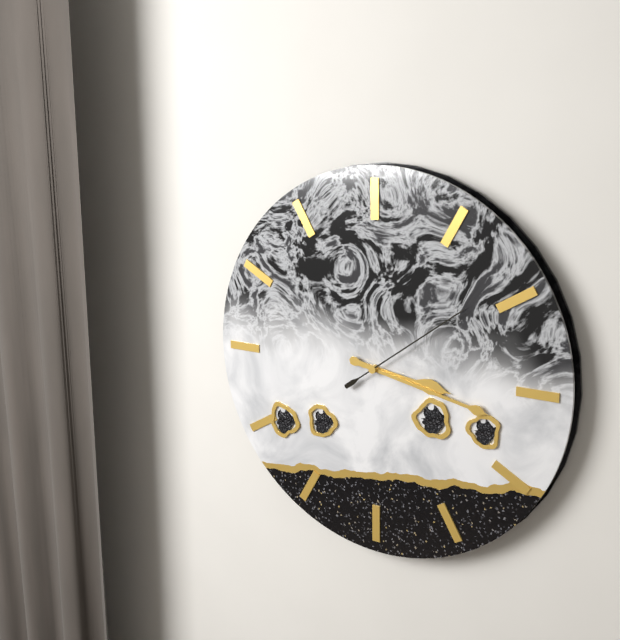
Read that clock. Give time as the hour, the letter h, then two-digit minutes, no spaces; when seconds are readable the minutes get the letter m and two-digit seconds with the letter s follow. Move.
3h17m09s
